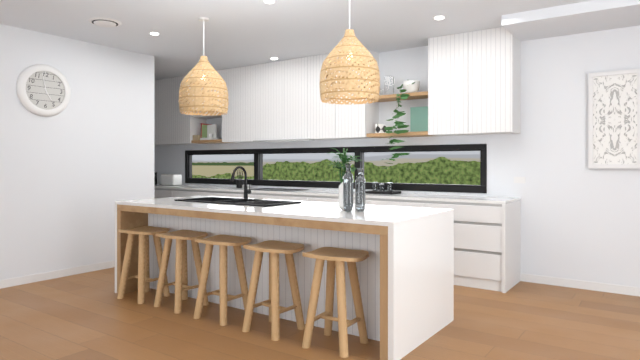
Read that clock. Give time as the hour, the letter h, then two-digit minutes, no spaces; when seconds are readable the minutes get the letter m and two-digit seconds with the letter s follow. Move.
4h58
